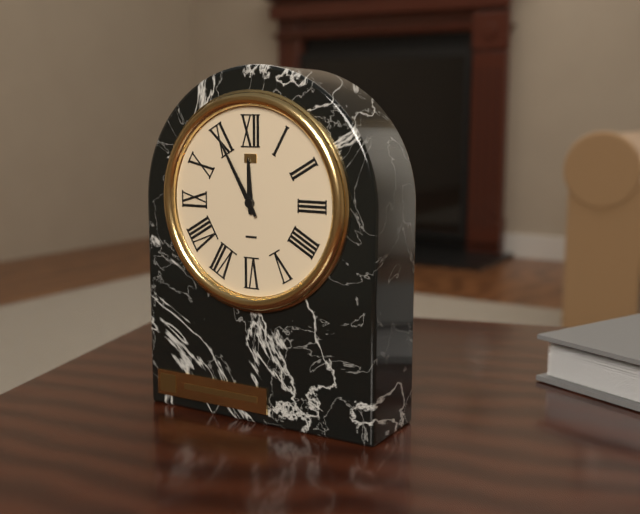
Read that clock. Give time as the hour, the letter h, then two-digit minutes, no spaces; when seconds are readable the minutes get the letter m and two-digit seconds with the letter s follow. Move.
11h55
